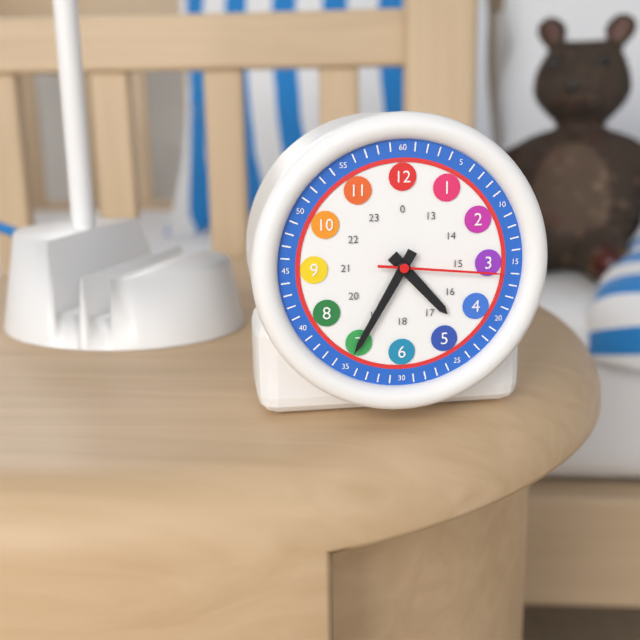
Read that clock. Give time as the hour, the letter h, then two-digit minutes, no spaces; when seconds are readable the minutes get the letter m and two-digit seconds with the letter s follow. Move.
4h35m16s
